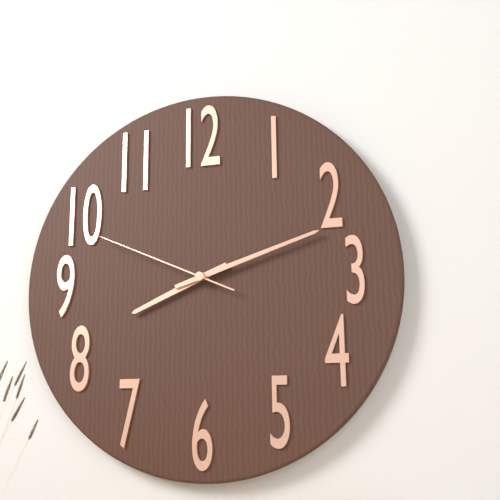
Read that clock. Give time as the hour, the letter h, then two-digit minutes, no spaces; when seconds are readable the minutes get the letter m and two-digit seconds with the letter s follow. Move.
8h12m49s
